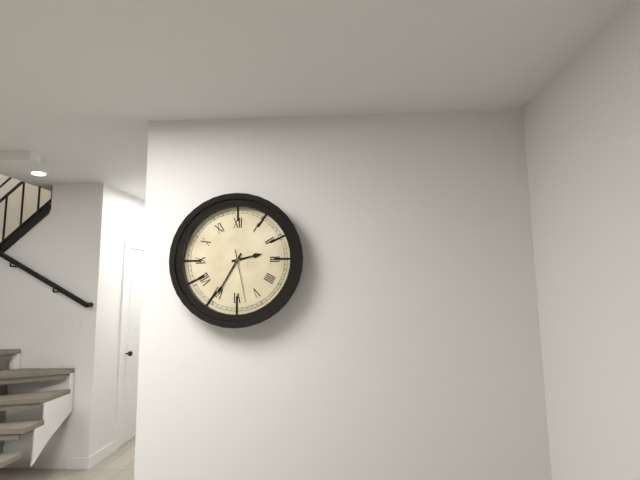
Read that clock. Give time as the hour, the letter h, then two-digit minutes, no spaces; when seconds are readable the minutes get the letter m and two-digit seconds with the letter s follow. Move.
2h35m28s
